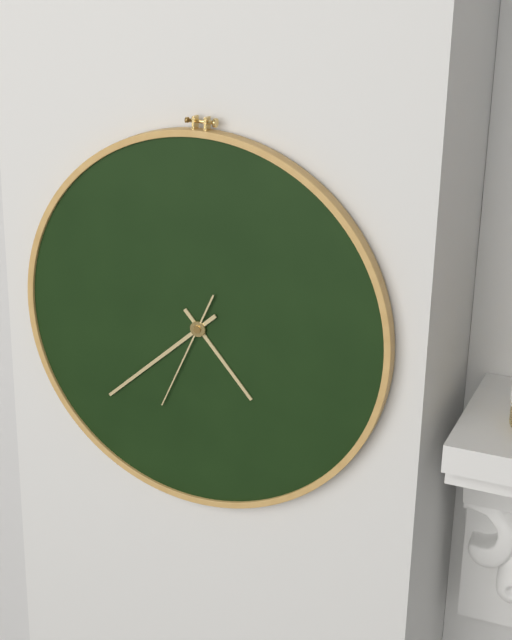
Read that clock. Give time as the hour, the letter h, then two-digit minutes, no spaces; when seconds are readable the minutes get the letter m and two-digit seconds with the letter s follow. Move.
4h38m34s
